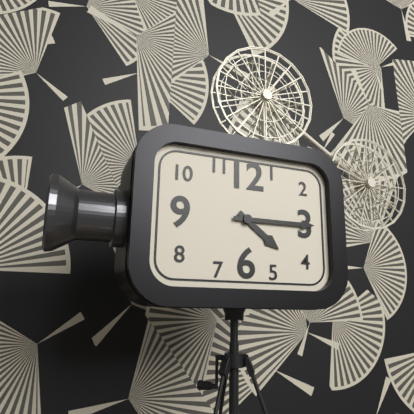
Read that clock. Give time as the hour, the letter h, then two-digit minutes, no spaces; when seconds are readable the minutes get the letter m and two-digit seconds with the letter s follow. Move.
4h15
